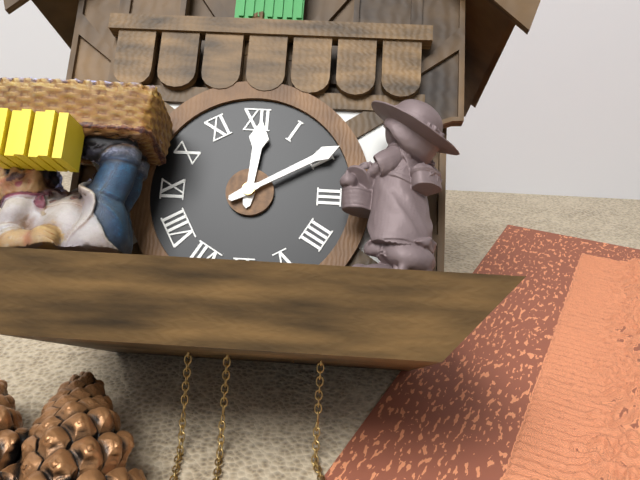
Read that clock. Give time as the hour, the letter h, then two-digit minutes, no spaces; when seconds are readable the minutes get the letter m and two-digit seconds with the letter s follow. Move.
12h10
